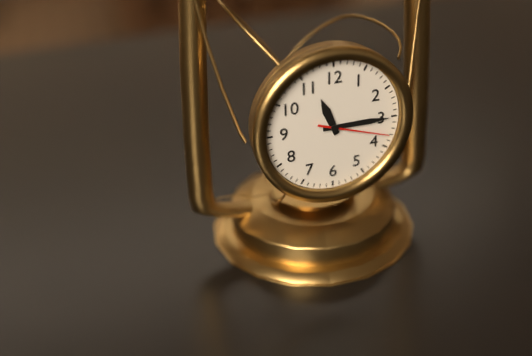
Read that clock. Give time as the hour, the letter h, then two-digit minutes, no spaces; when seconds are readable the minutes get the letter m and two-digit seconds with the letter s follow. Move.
11h15m18s
